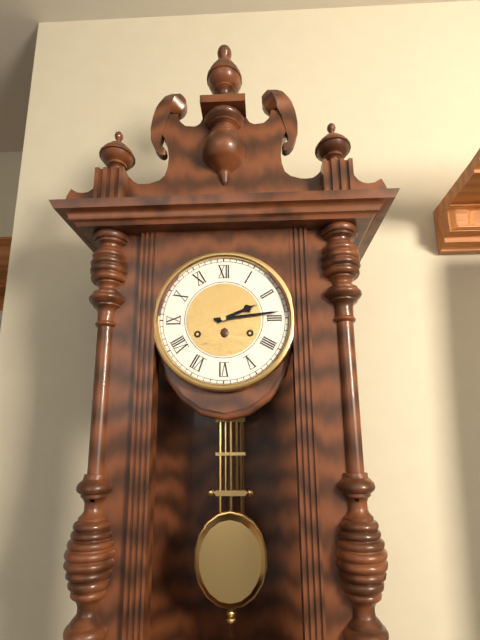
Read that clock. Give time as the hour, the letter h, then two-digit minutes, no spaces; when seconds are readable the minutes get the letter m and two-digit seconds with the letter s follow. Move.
2h14
